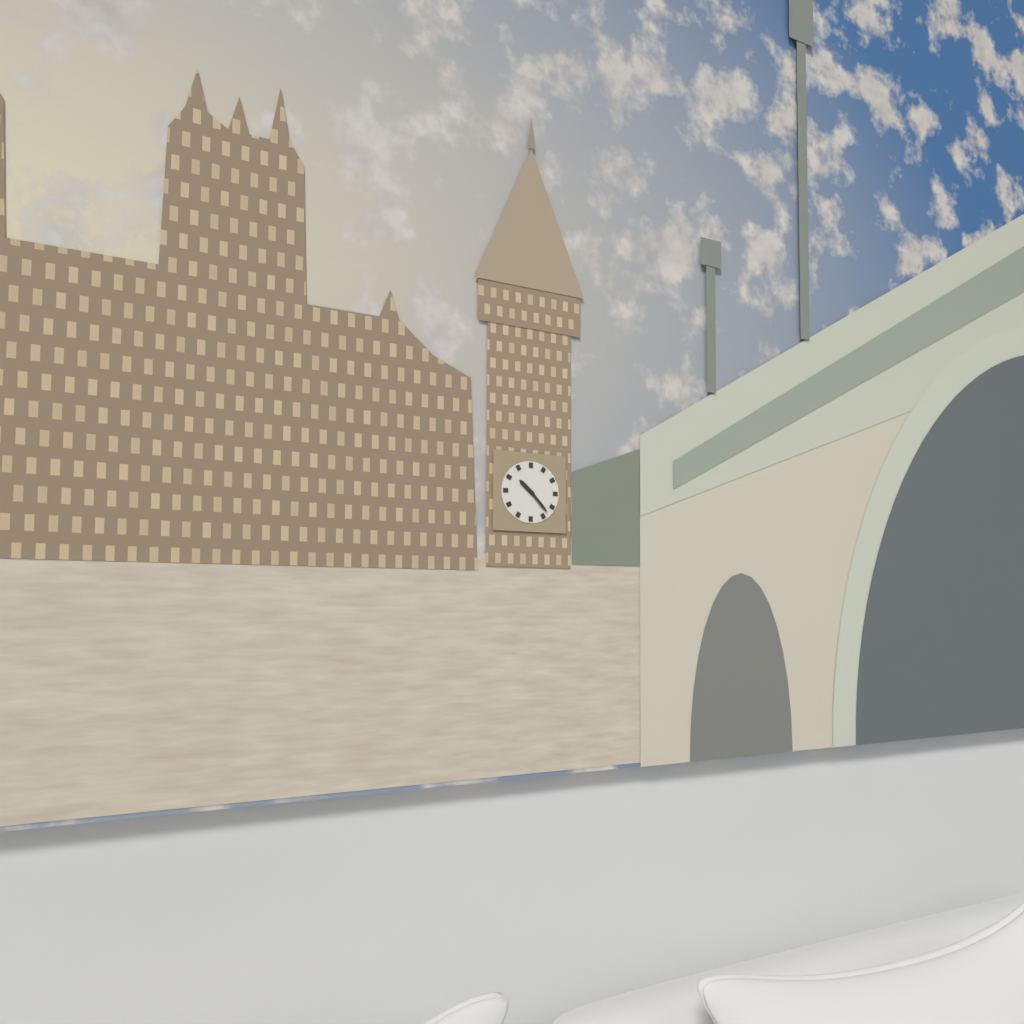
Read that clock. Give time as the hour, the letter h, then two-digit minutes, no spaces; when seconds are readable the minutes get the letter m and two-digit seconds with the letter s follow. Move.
10h23
